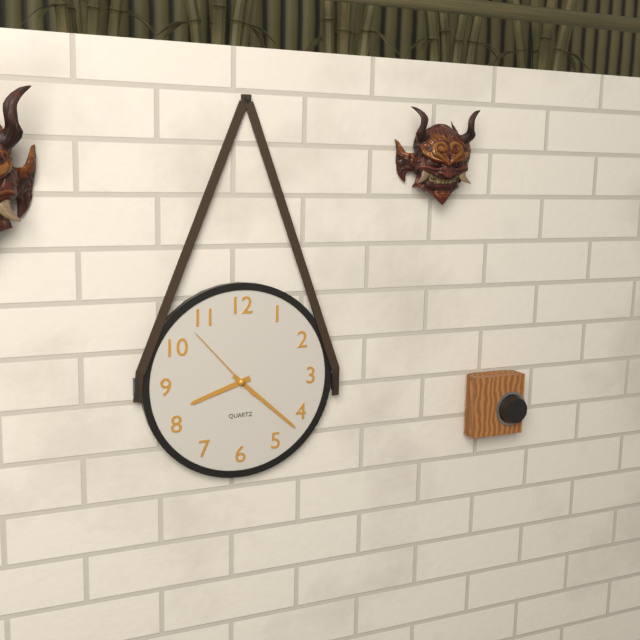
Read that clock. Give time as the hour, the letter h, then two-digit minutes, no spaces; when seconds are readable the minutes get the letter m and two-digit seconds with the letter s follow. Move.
8h22m53s
